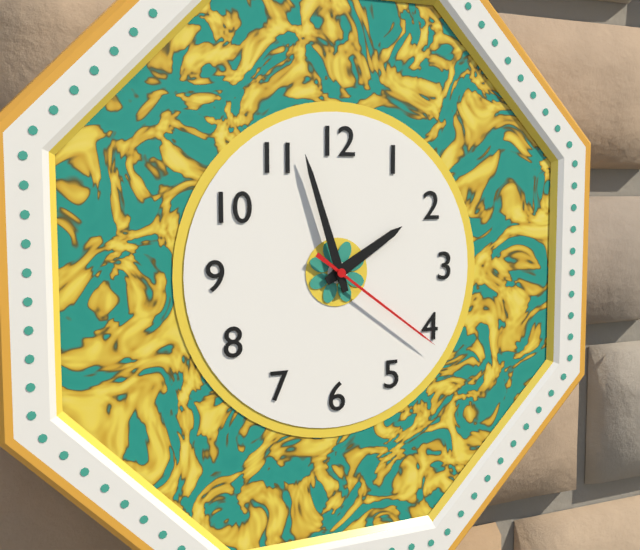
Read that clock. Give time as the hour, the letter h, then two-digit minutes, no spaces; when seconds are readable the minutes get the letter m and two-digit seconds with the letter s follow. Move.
1h57m21s
